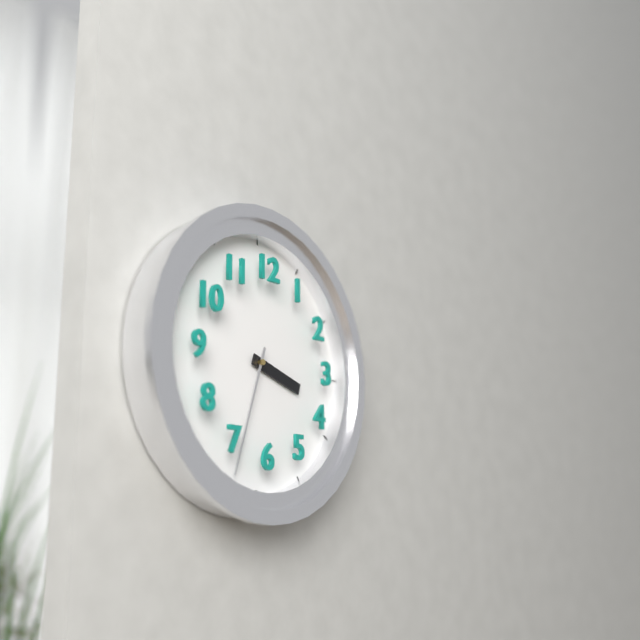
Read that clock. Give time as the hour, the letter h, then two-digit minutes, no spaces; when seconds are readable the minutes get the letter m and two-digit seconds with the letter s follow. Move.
3h33
